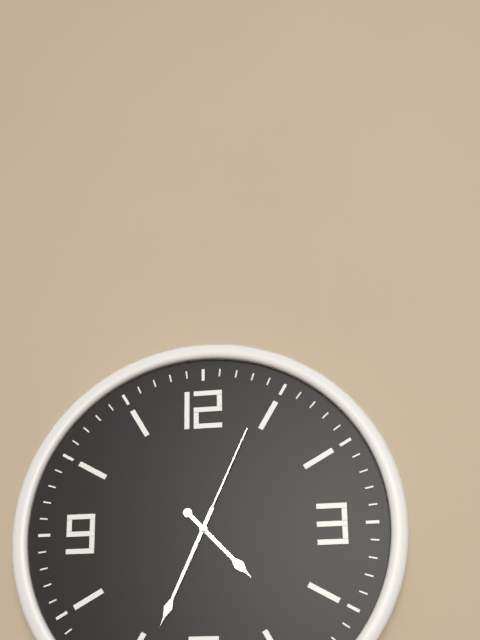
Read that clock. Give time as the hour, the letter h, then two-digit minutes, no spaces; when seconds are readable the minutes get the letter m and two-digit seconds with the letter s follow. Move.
4h34m04s
